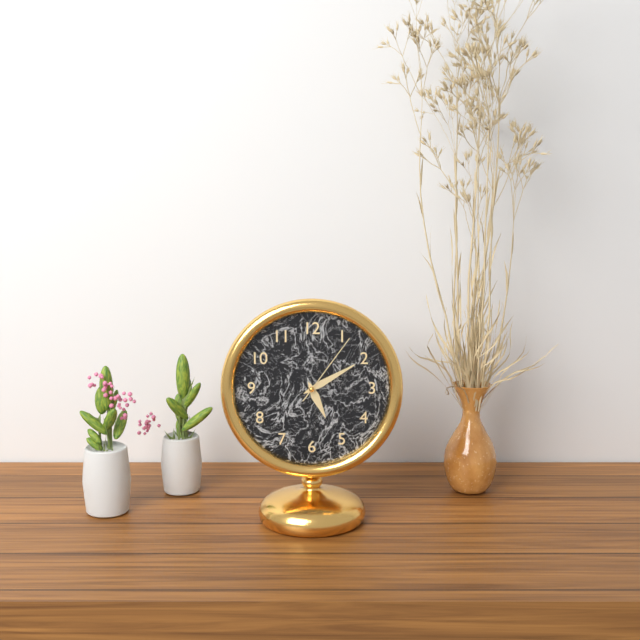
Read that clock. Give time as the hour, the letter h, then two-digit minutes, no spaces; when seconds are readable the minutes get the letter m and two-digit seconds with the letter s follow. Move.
5h10m06s
